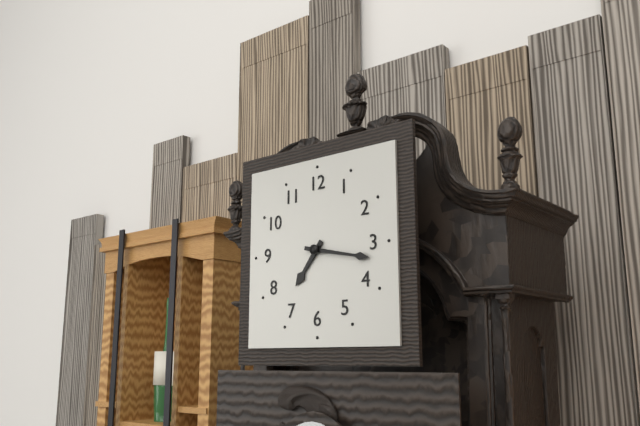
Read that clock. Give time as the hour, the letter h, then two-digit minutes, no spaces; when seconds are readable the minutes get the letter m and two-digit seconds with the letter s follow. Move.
7h17
